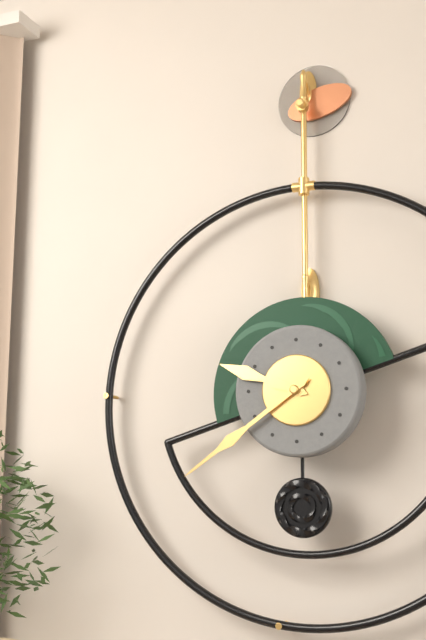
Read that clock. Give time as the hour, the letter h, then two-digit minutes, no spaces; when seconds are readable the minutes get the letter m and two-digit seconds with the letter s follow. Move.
9h39
